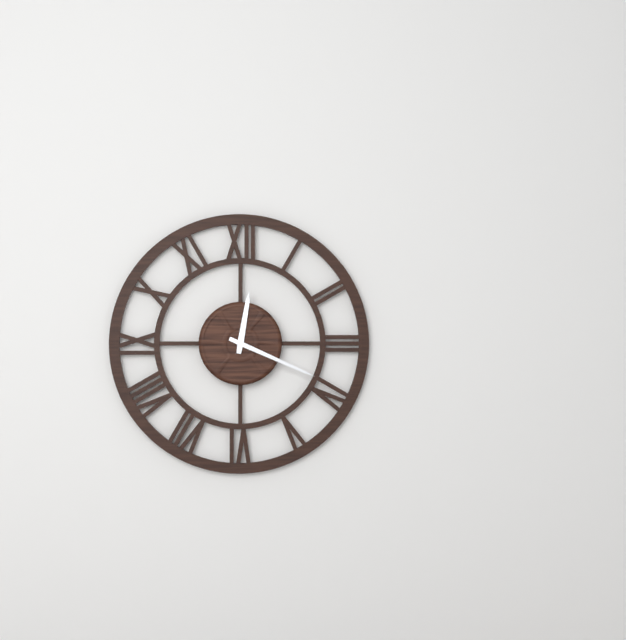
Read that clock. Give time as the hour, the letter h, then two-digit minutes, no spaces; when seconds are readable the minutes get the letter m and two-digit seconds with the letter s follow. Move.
12h19
